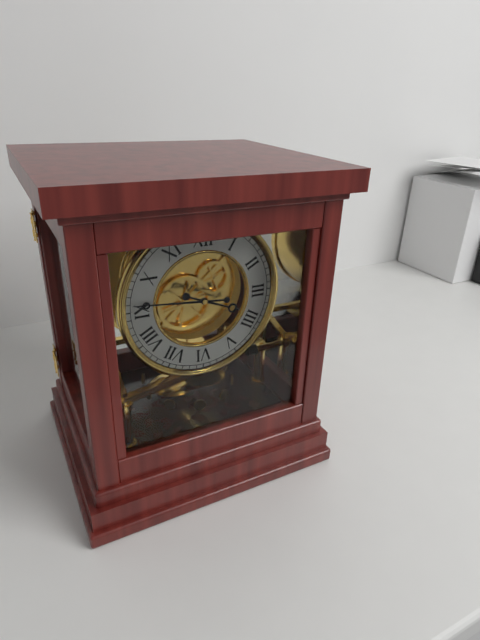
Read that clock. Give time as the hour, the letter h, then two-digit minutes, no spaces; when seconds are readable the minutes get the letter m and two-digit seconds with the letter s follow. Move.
3h46
